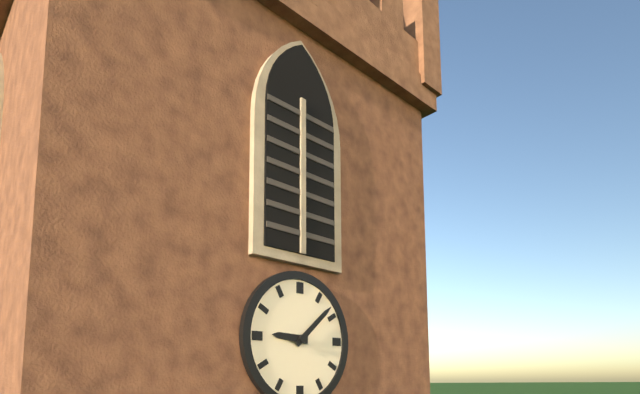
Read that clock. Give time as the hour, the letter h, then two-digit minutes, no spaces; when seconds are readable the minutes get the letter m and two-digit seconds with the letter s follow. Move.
9h08
